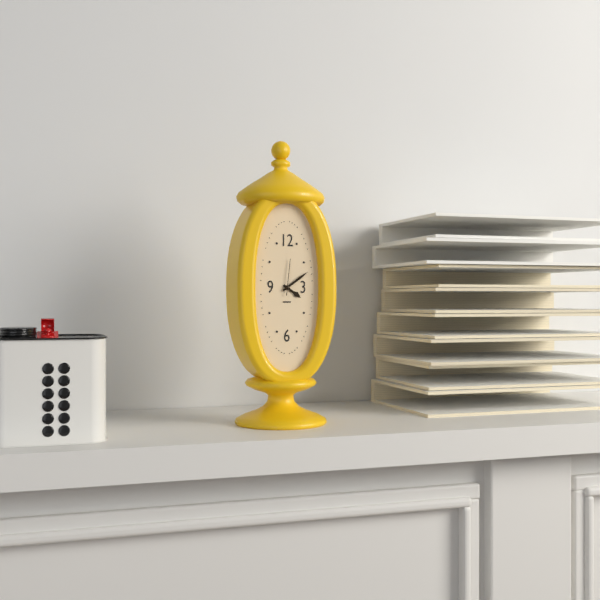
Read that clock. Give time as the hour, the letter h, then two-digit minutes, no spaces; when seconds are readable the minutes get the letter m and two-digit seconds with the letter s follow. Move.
4h09
